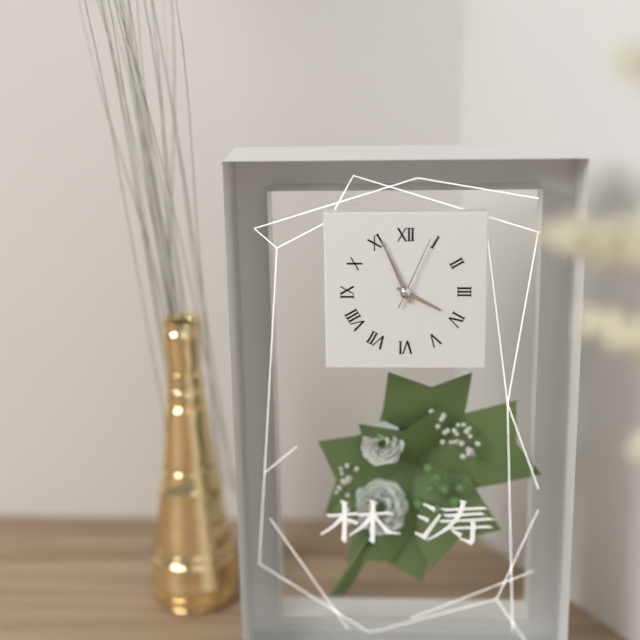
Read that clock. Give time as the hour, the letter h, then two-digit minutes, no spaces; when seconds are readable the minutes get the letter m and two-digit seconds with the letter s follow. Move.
3h56m04s
